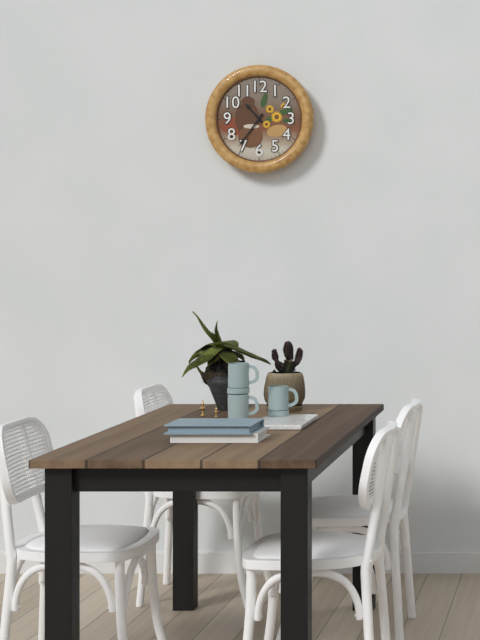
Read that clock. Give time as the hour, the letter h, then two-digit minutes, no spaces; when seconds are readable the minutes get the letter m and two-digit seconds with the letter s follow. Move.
10h36
